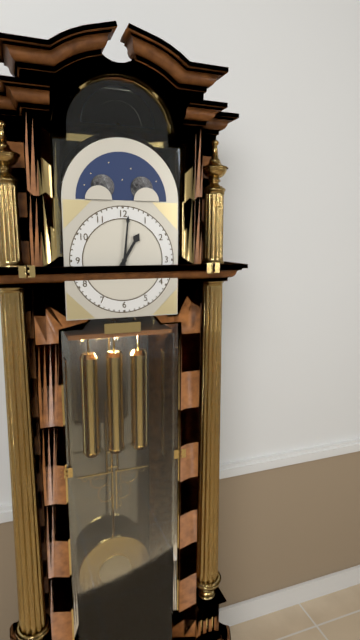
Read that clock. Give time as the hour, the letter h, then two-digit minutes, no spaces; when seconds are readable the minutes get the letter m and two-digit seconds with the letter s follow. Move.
1h01
